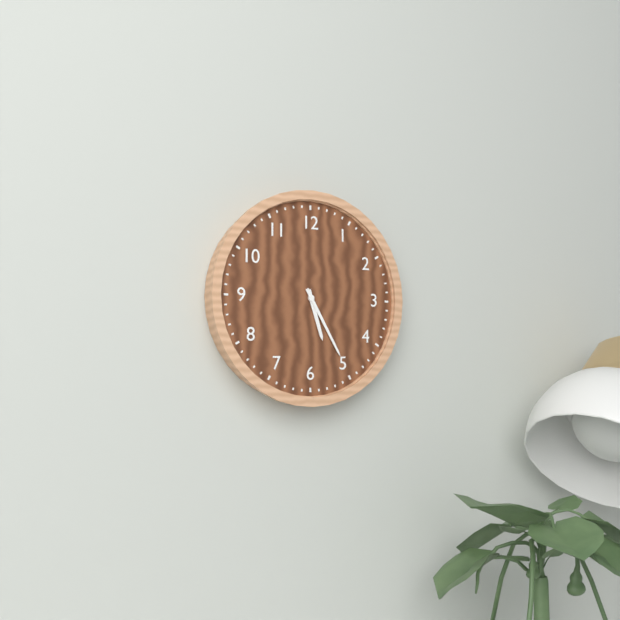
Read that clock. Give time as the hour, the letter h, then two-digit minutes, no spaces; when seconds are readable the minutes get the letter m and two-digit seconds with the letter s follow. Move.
5h25
